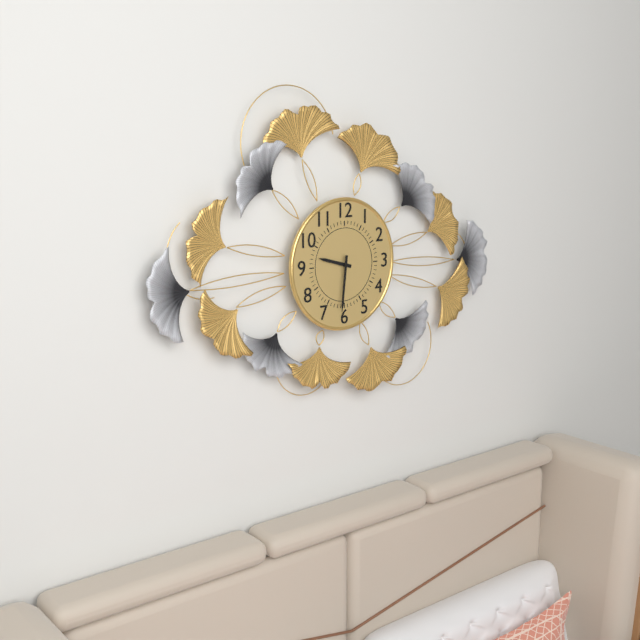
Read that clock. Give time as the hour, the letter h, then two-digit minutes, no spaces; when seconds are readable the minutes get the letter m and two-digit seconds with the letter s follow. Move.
9h31
